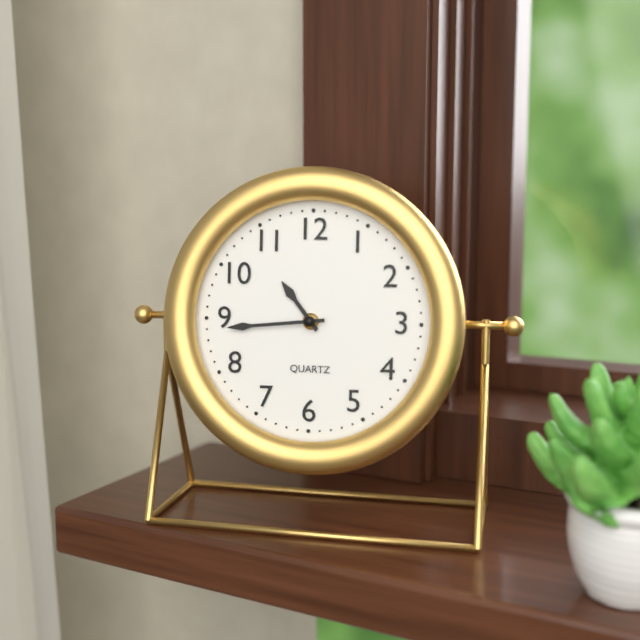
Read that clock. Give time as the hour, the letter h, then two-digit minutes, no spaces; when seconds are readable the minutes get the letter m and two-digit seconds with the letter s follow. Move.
10h44
